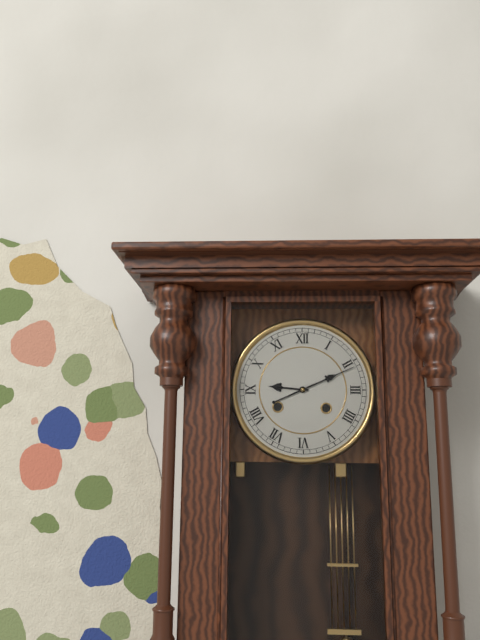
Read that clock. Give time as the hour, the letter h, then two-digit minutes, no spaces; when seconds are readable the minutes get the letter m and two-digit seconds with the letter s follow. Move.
9h11
